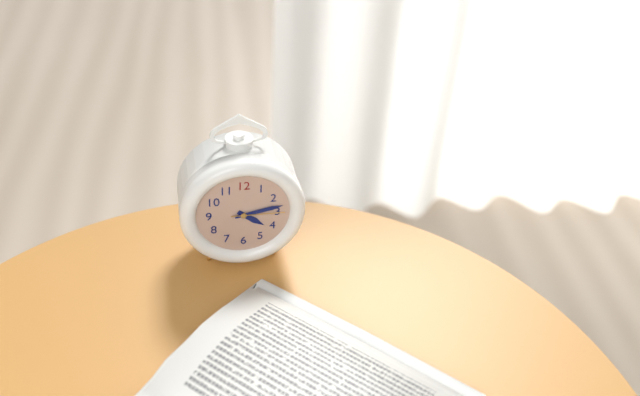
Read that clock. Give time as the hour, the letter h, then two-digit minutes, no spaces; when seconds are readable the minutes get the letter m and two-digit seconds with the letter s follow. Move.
4h13m15s
